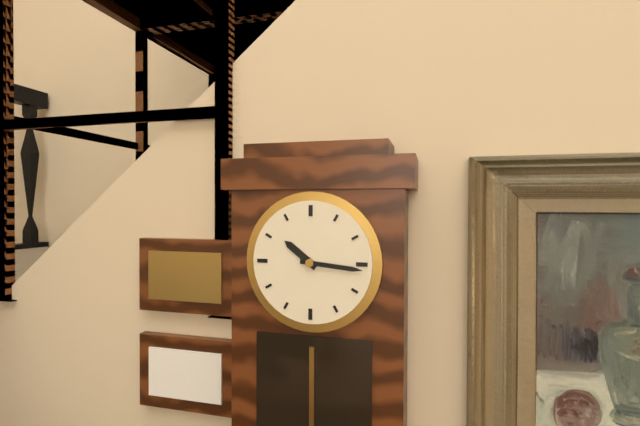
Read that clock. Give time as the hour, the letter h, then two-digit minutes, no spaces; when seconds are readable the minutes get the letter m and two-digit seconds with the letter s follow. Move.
10h16
